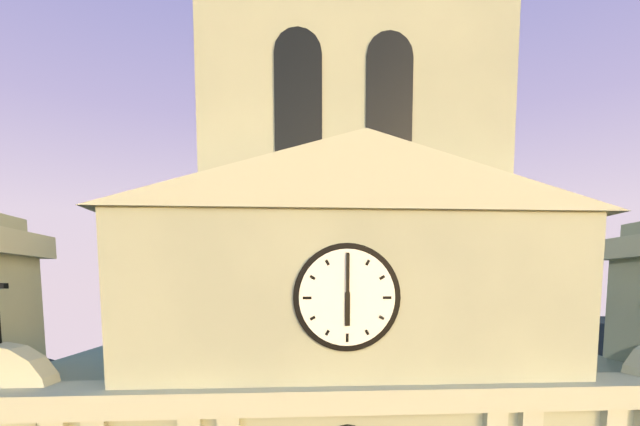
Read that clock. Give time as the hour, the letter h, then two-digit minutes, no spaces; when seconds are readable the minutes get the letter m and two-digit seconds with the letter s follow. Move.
6h00
